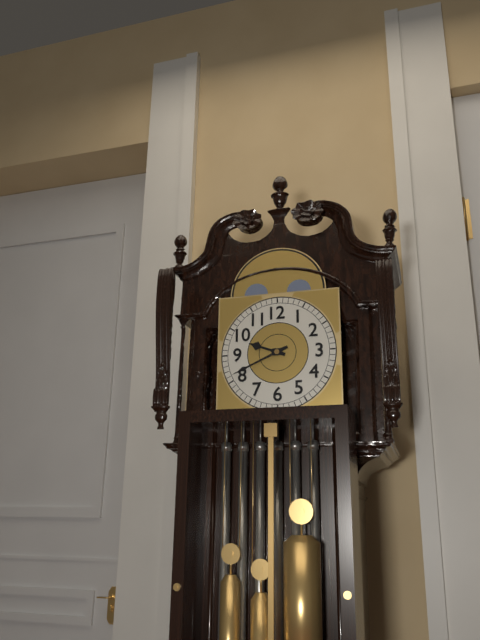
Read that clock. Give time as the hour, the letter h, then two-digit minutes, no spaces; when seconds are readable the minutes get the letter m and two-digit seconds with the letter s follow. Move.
9h41
